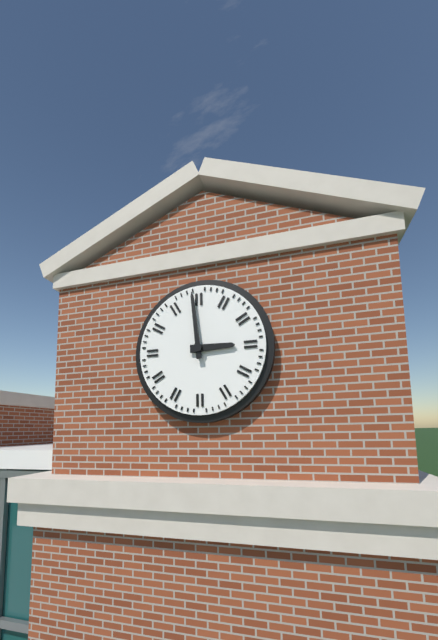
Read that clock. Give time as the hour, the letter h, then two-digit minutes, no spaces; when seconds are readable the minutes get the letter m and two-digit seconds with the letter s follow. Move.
2h59
